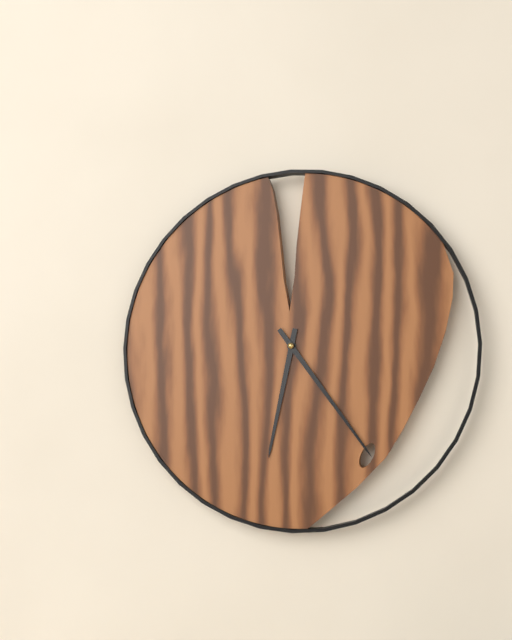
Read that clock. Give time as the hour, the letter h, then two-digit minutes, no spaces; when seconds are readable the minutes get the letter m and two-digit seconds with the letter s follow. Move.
6h24
